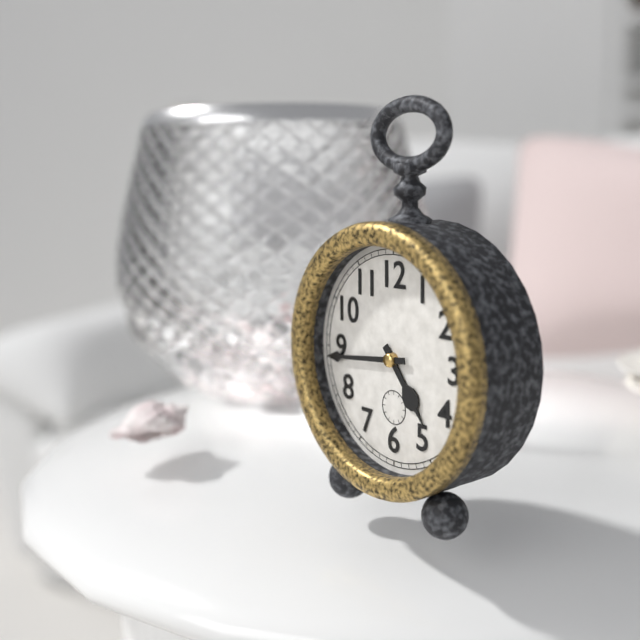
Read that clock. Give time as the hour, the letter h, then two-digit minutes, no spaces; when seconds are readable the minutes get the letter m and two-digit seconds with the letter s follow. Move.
4h44
